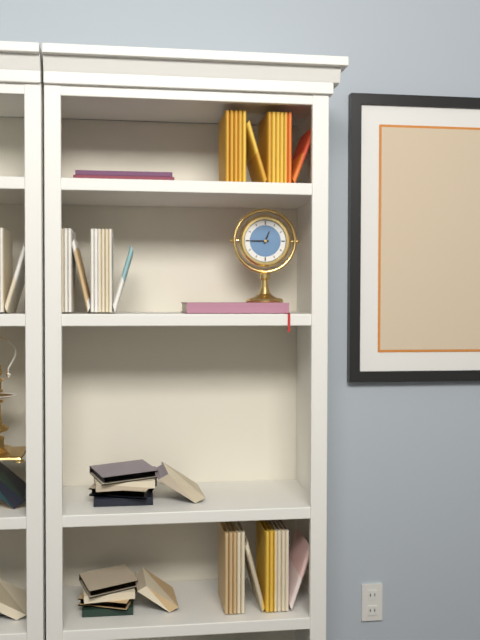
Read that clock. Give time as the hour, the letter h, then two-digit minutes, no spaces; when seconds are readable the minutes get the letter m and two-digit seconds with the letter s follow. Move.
12h45
